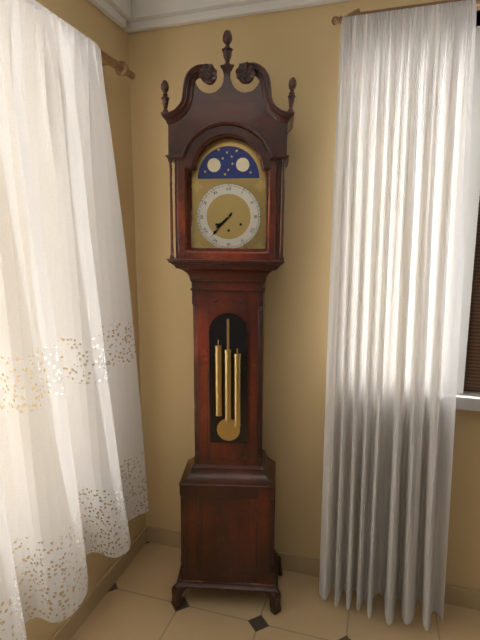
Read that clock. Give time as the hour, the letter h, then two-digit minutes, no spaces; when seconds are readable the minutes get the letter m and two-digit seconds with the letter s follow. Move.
7h37
